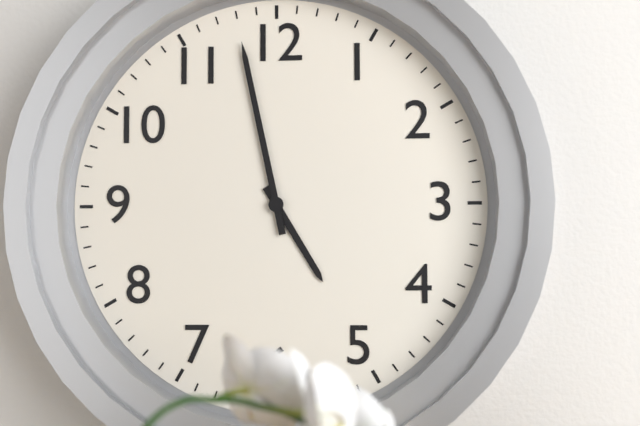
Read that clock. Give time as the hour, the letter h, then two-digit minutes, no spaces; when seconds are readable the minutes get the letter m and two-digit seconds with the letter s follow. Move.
4h58
